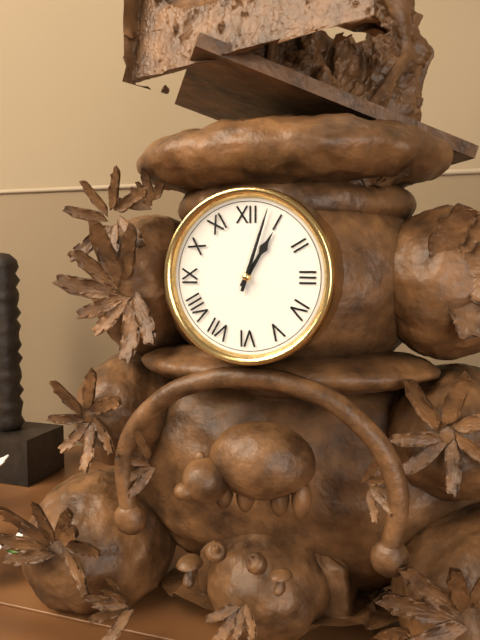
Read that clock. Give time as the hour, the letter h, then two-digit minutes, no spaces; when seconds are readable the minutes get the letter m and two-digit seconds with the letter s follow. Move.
1h03
